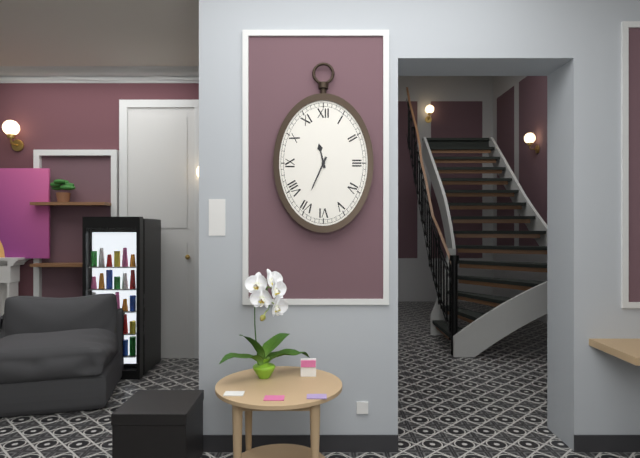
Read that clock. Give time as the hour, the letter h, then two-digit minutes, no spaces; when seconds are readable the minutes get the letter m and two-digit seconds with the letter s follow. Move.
11h34
